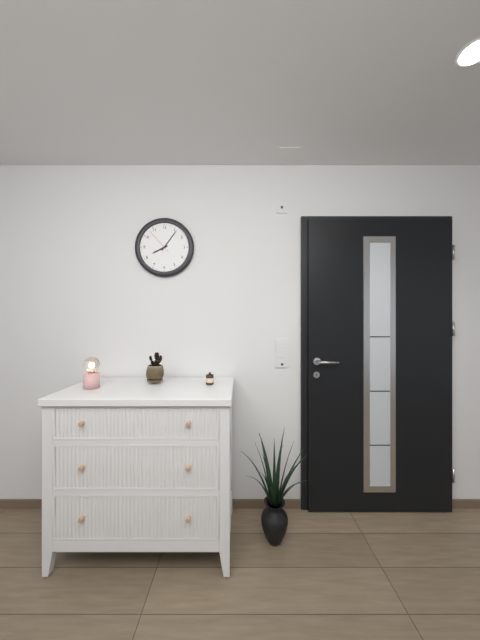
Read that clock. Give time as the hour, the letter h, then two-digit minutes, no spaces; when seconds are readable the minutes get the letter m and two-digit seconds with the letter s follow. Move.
8h06
